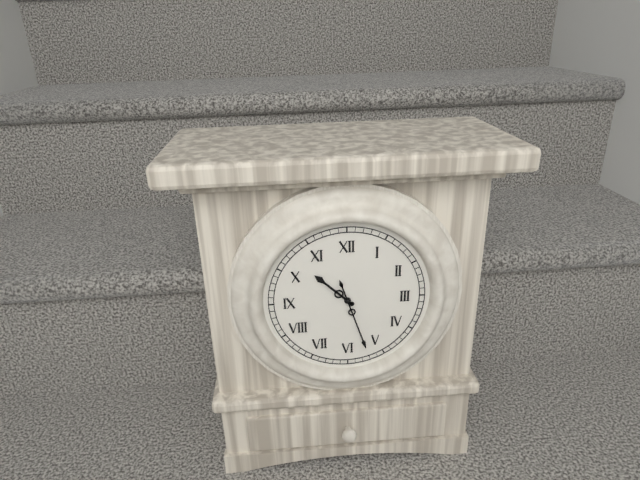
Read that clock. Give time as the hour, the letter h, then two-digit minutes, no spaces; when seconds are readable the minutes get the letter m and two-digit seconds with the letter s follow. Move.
10h27
